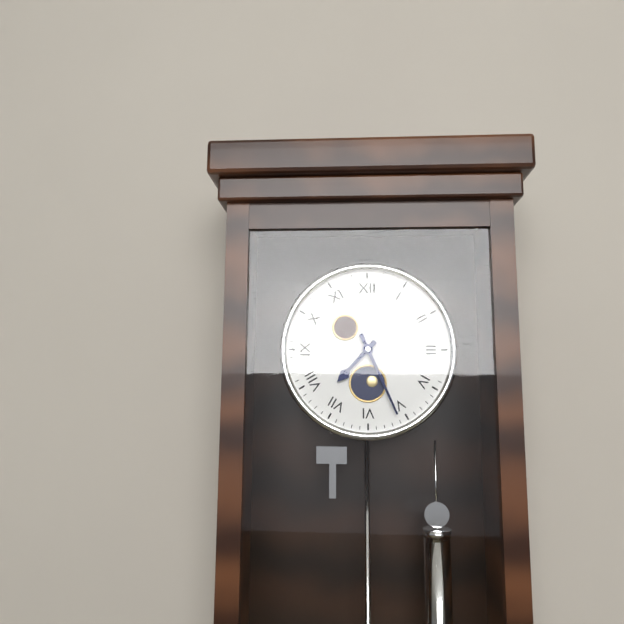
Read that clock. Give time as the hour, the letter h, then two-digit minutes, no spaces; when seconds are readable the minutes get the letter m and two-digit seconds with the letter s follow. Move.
7h26
